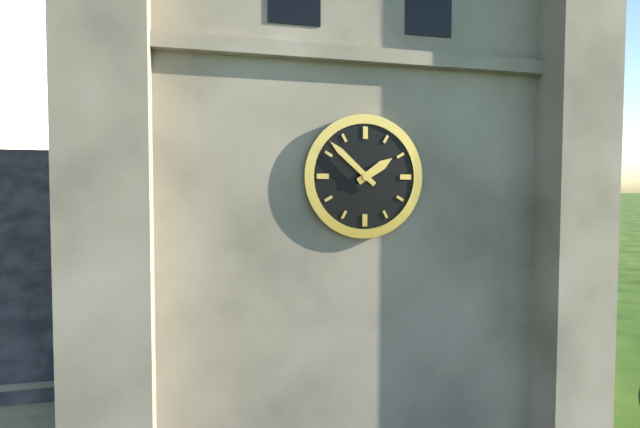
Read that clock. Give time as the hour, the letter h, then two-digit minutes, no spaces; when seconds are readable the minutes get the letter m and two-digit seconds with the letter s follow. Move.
1h52
